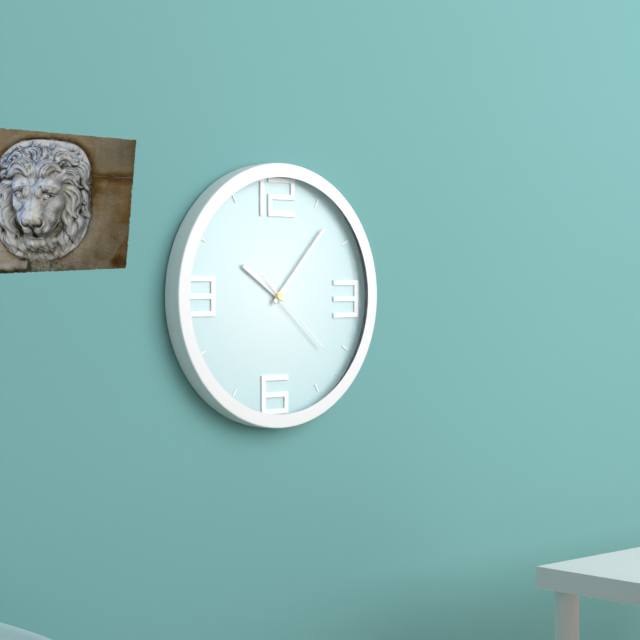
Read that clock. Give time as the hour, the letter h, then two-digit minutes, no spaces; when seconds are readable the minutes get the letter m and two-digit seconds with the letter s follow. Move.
10h07m22s
